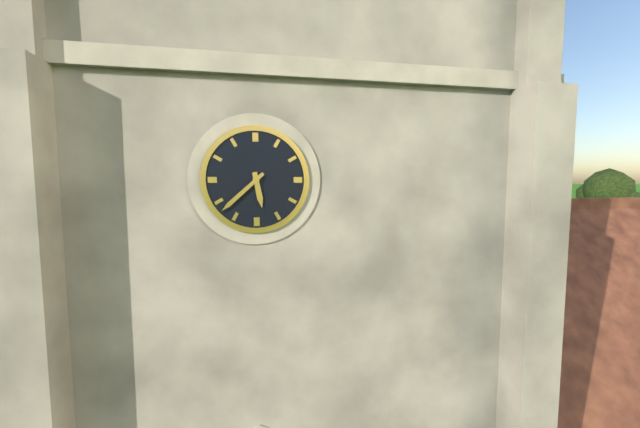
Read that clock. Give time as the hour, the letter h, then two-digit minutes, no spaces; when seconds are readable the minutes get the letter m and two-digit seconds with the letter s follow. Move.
5h38
